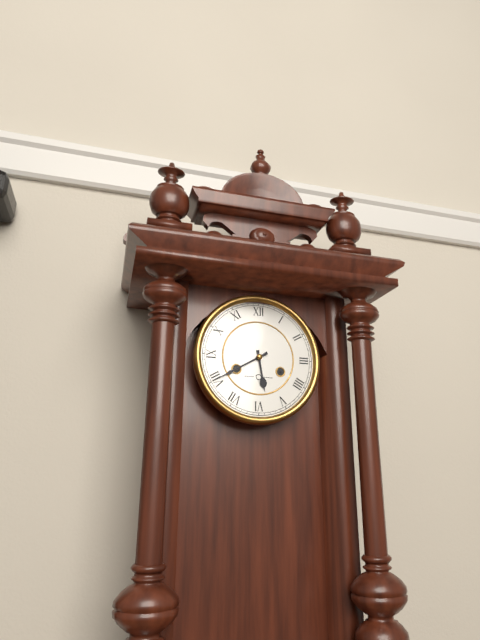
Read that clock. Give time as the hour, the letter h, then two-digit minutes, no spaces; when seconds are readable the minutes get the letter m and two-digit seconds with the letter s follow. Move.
5h40
